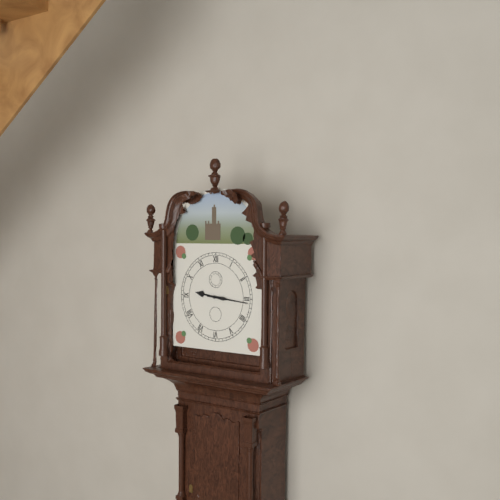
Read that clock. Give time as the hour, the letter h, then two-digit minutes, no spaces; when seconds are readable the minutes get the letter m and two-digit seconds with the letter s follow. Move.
9h16
